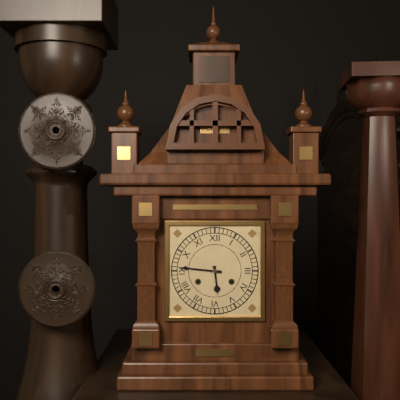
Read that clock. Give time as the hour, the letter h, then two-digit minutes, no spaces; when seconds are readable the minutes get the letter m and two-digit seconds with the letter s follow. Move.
5h46
